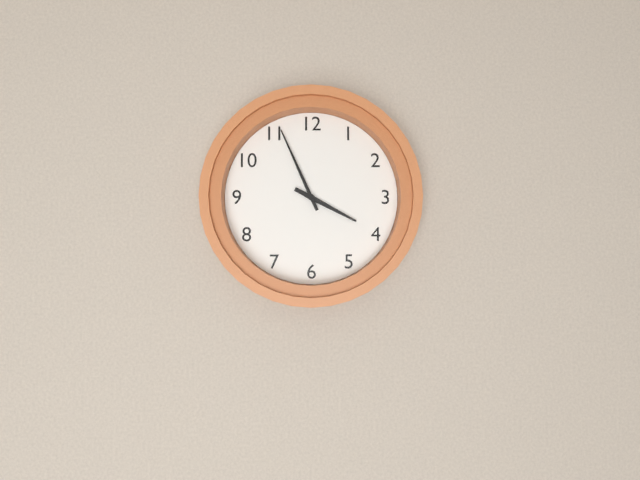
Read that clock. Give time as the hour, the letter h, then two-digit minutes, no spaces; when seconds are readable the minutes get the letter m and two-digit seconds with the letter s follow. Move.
3h56
